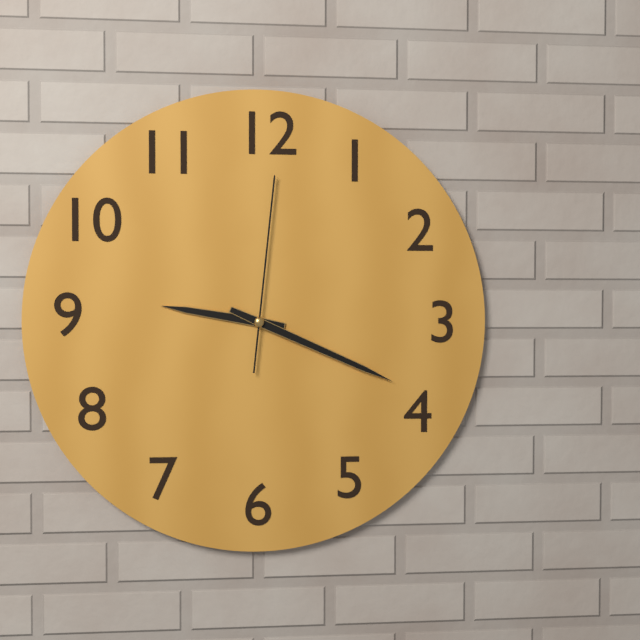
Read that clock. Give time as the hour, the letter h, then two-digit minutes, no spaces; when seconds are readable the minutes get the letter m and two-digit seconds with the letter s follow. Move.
9h19m01s
